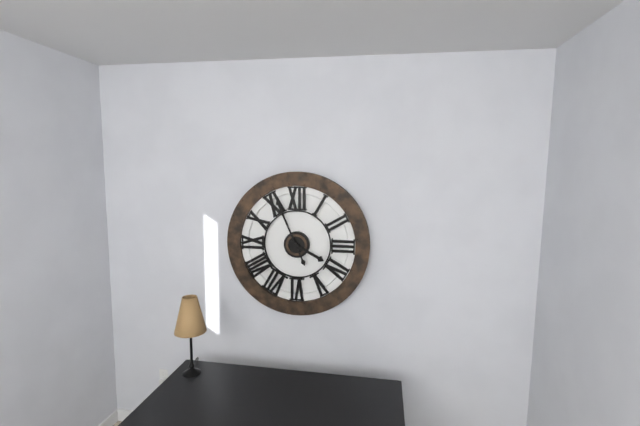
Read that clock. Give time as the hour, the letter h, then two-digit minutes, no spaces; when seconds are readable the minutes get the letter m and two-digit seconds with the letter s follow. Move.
3h56
